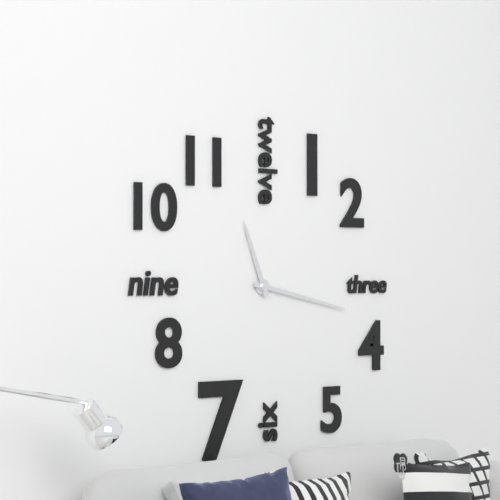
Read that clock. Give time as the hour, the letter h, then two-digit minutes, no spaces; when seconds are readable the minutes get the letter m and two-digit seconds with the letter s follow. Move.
11h17
